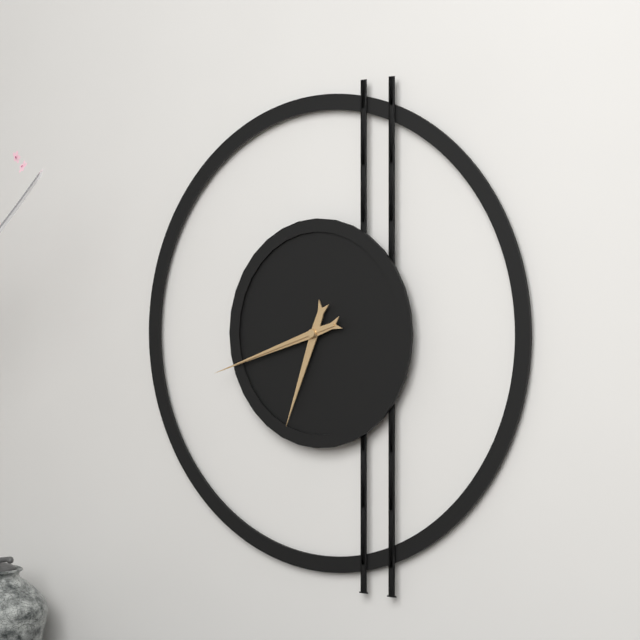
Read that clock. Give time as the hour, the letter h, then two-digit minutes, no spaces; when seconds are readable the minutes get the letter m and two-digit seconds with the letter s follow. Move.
6h42m42s
